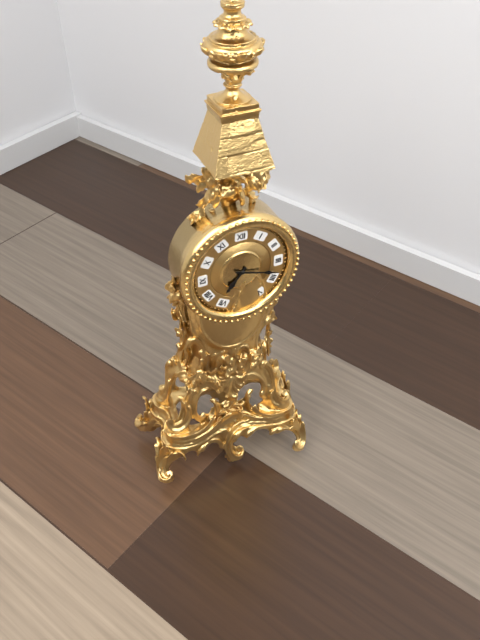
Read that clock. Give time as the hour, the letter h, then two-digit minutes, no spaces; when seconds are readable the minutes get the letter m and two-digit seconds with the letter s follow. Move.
7h18
